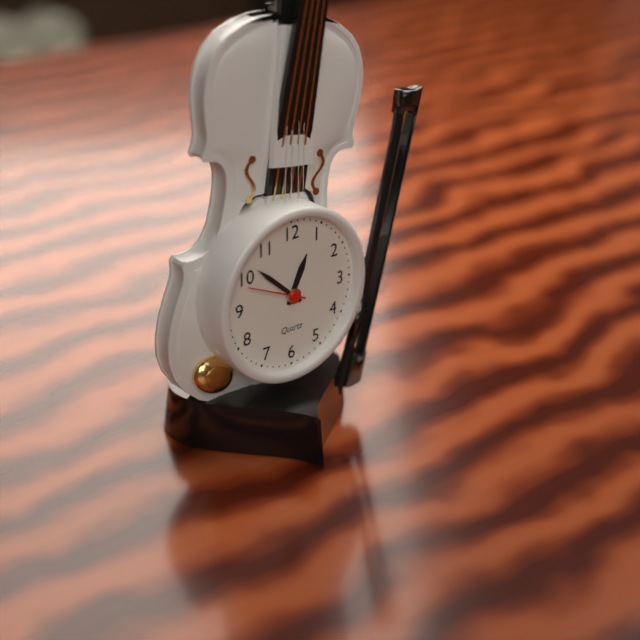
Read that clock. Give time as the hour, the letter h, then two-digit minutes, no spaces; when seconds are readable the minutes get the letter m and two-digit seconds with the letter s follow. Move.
12h52m49s
